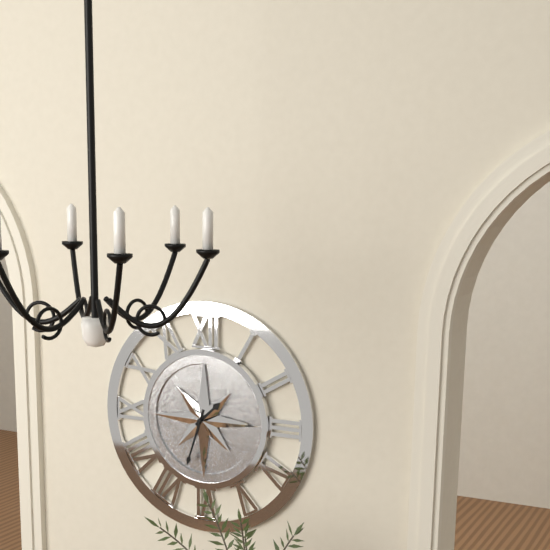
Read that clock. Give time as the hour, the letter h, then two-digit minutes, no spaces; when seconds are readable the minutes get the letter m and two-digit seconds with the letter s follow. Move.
1h33
